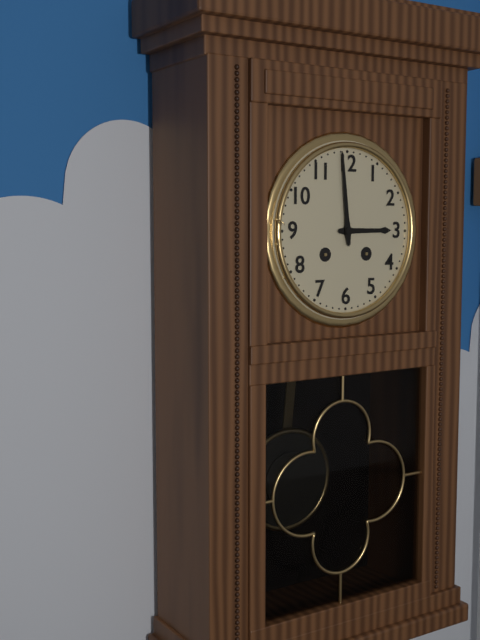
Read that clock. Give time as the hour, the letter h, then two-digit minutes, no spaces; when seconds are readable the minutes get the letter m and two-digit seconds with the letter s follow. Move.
2h59
